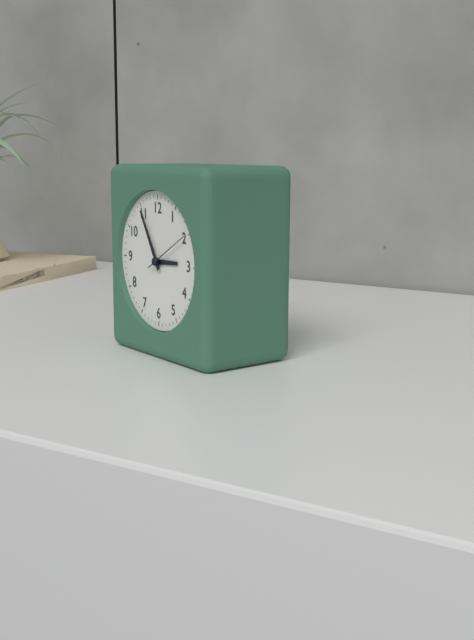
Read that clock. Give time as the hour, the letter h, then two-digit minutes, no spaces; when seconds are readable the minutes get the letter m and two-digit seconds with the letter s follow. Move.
2h55
